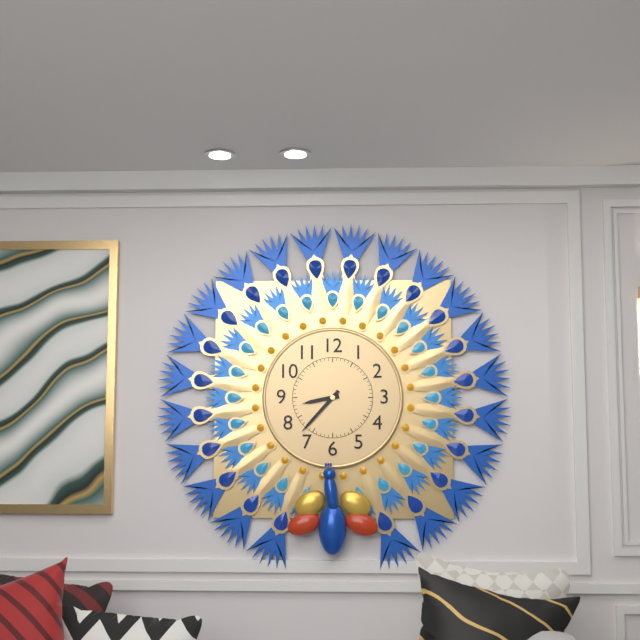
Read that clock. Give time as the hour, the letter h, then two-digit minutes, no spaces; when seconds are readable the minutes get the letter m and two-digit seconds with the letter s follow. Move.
8h37
